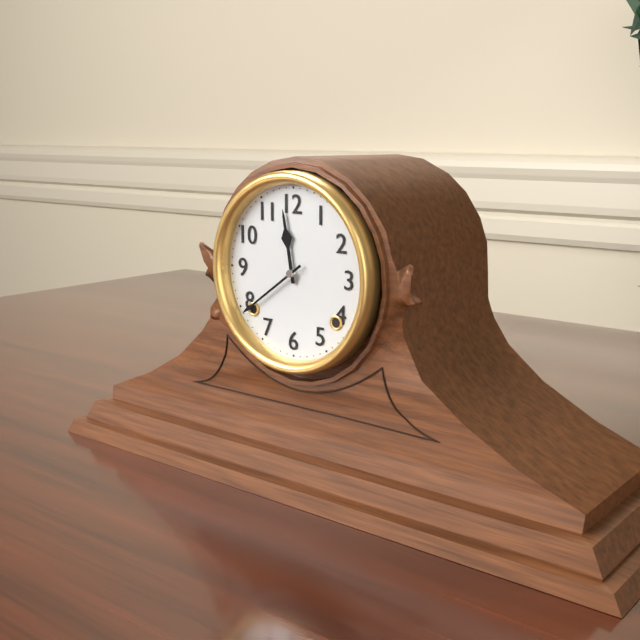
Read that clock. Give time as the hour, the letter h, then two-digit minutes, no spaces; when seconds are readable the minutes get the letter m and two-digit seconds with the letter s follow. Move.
11h39
